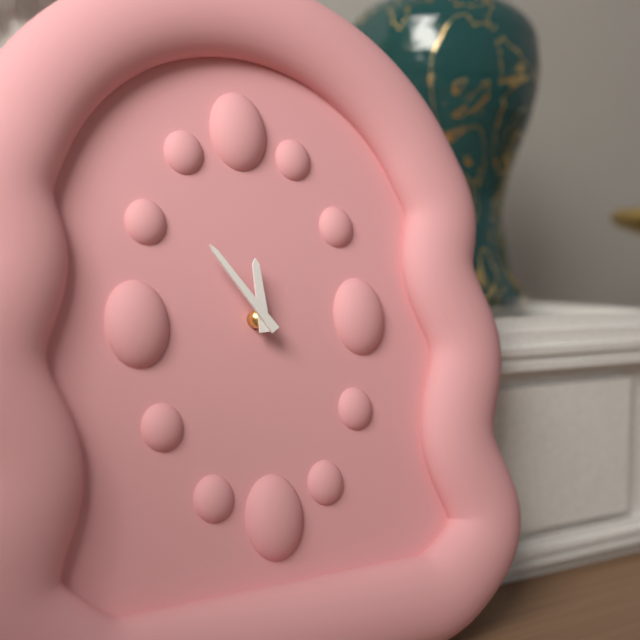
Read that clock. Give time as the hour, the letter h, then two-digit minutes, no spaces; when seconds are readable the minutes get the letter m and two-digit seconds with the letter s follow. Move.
11h54
